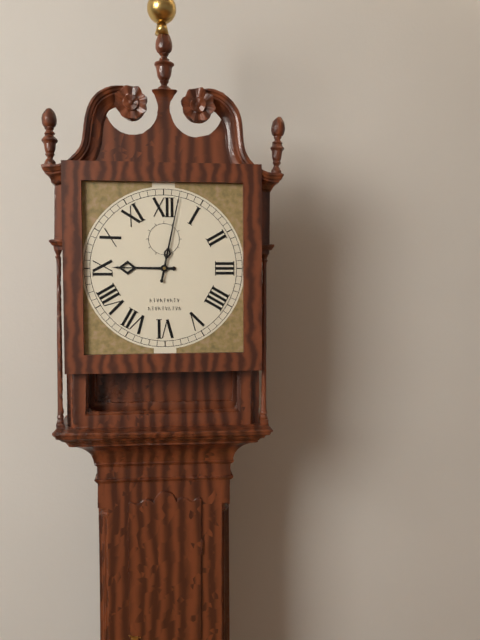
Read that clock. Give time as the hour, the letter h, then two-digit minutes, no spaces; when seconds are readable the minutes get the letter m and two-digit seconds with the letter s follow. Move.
9h02
